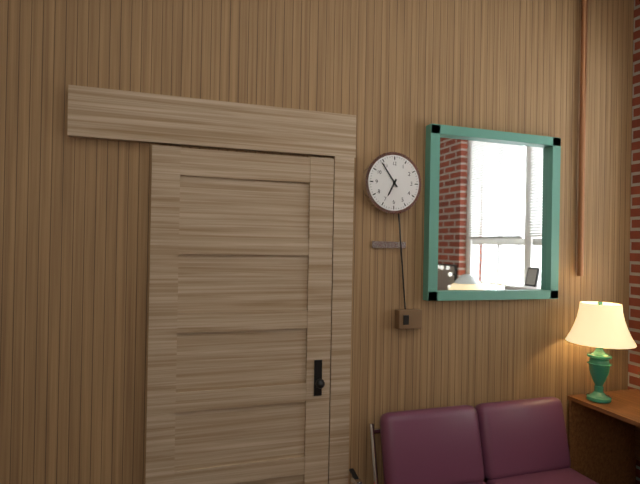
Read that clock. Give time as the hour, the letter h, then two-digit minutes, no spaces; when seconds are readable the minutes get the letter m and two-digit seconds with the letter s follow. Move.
6h54
